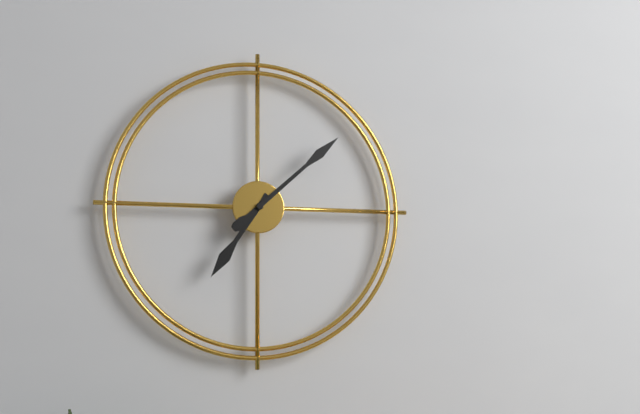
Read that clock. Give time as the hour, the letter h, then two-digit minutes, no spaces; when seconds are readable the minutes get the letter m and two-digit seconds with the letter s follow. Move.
7h08
